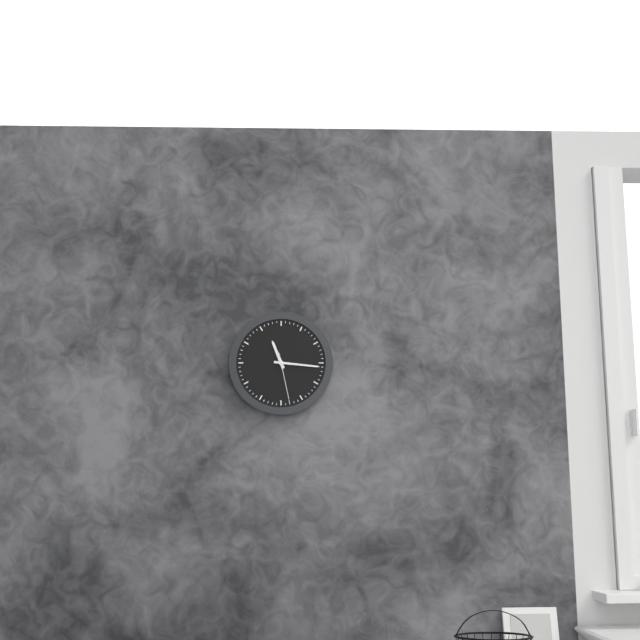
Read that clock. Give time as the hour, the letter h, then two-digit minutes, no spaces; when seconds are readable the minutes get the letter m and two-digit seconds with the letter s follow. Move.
11h16
